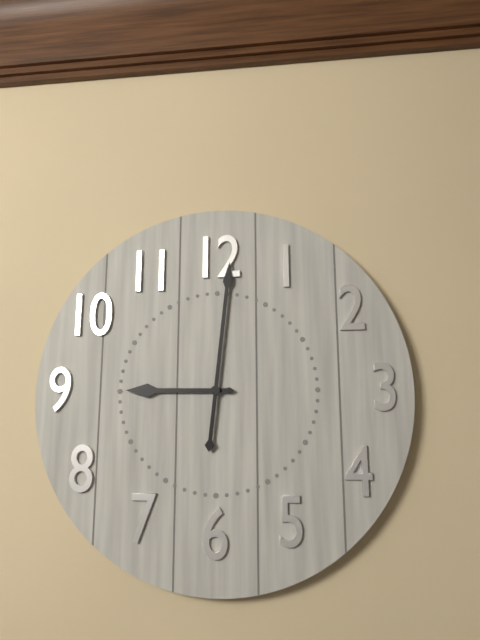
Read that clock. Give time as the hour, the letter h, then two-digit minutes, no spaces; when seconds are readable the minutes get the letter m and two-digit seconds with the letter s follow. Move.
9h01
